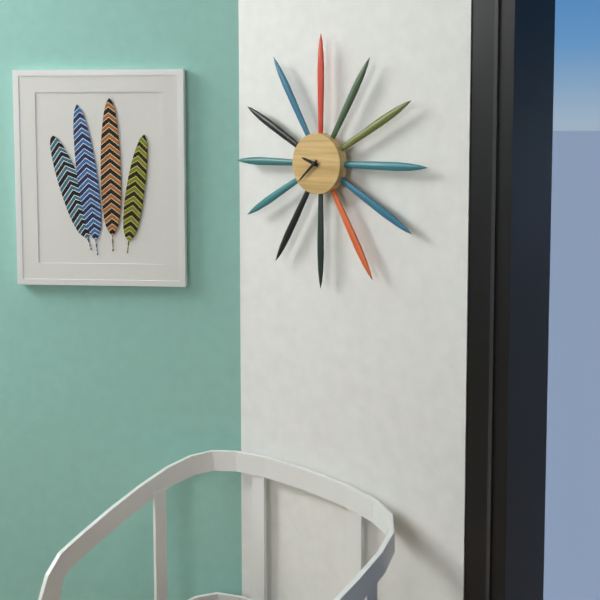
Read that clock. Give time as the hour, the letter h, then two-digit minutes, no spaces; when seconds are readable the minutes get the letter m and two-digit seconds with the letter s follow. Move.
9h38
